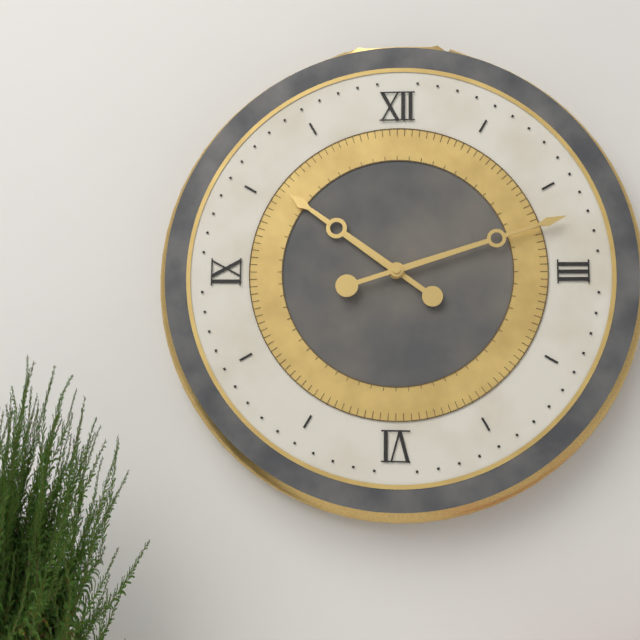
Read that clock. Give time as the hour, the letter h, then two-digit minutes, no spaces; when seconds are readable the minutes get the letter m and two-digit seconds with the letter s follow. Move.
10h12
